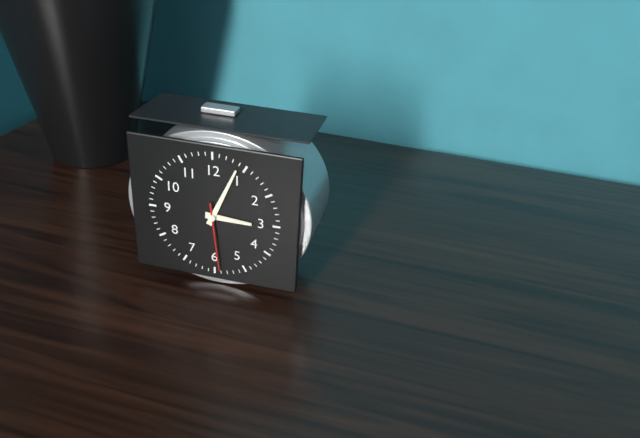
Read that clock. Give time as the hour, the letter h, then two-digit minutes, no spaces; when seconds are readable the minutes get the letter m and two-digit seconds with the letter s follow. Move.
3h04m29s
